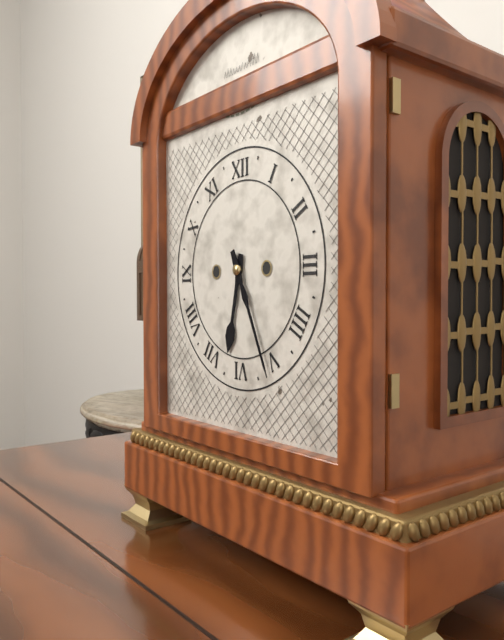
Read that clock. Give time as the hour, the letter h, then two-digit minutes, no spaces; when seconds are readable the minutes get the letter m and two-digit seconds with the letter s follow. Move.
6h26
